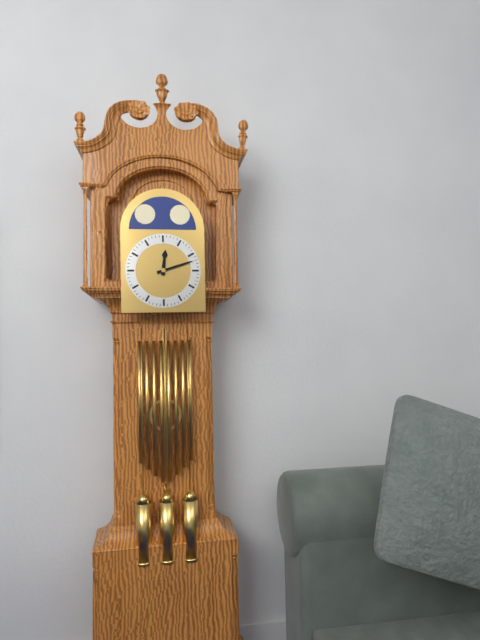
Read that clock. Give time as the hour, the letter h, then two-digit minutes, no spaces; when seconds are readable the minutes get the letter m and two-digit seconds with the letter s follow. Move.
12h12
